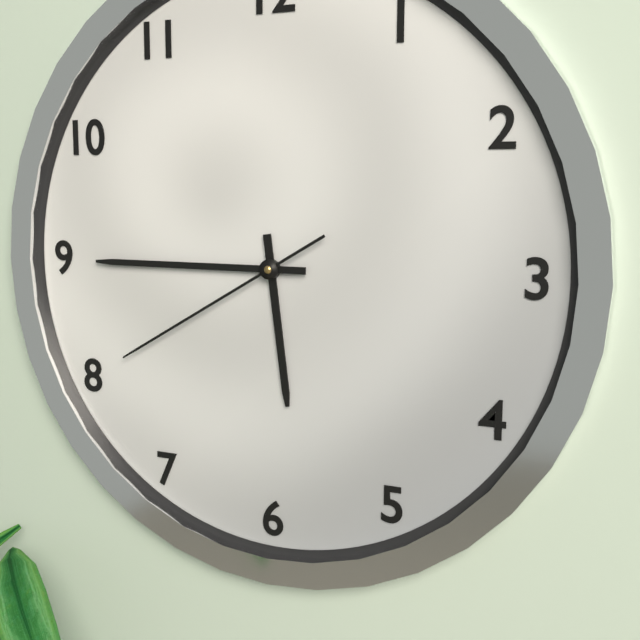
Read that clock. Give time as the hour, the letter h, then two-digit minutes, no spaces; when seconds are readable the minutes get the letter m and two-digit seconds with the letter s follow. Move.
5h45m40s
